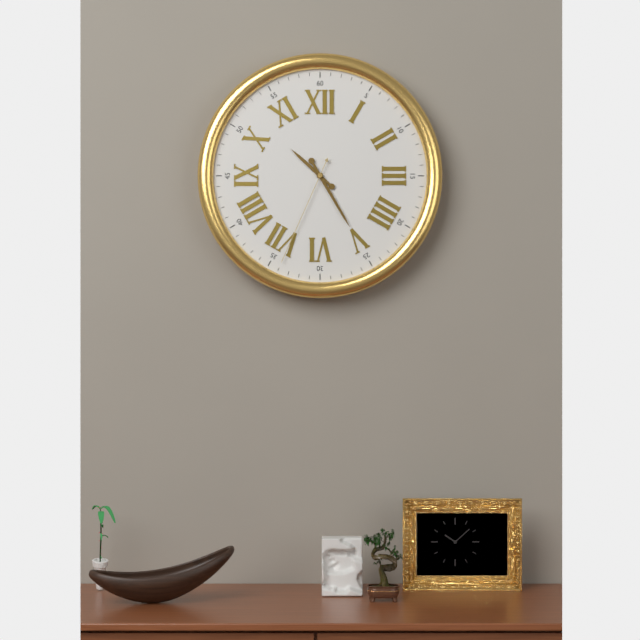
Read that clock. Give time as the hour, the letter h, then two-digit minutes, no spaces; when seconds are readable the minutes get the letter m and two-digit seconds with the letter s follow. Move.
10h25m34s
